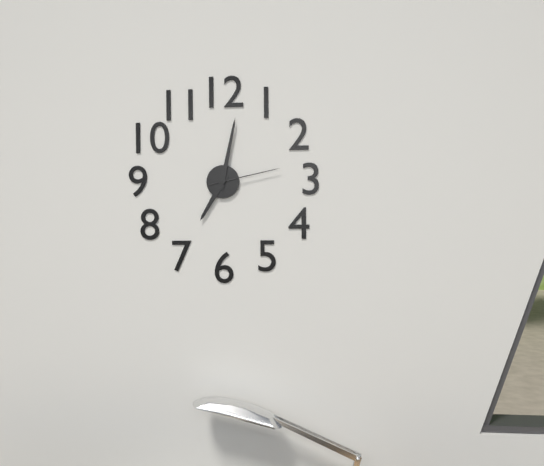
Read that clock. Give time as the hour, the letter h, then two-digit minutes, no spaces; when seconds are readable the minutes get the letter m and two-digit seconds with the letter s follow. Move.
7h02m13s
